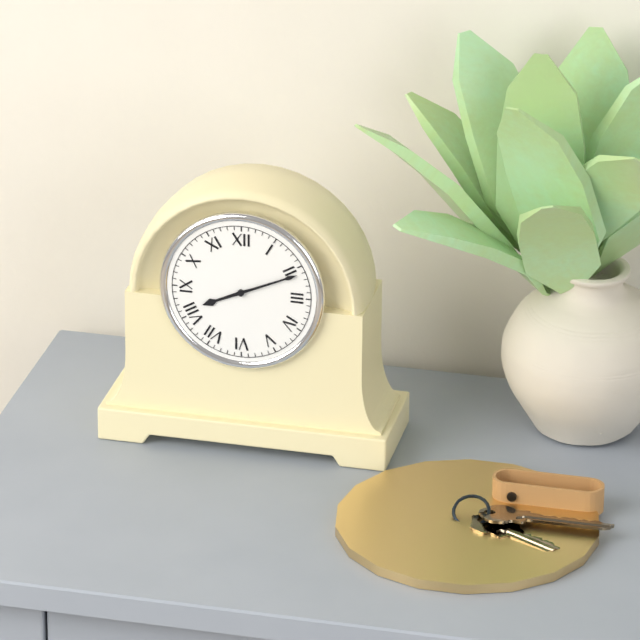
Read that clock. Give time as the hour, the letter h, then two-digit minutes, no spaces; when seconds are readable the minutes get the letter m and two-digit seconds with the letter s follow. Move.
8h11
